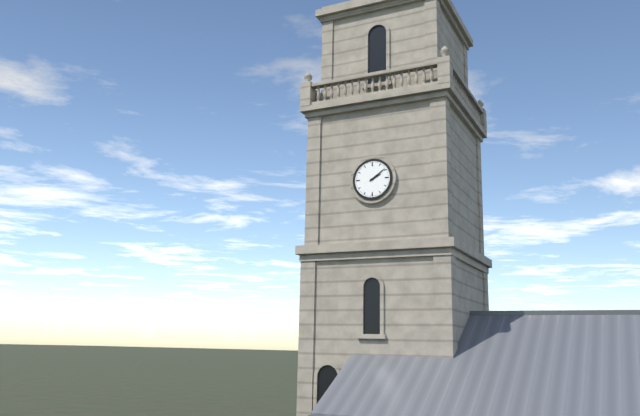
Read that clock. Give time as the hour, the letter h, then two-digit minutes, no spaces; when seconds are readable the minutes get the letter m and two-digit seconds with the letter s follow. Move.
2h09
